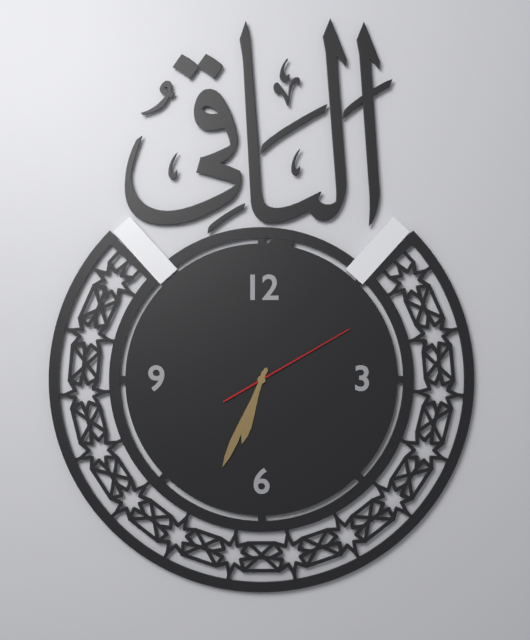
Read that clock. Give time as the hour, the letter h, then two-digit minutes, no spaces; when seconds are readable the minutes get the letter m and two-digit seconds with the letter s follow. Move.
6h34m10s
